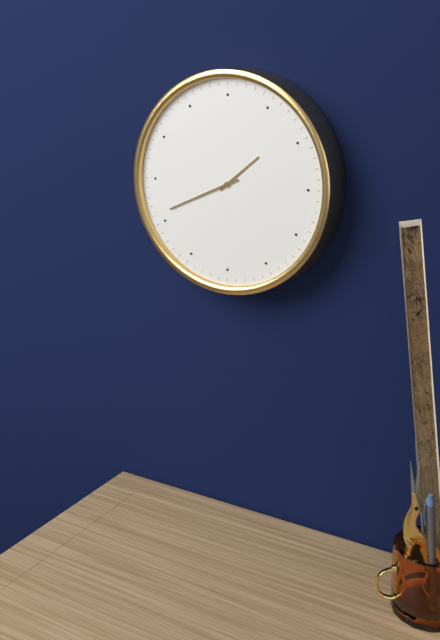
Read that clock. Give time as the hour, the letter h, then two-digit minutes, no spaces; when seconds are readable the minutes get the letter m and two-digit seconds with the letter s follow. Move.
1h41
